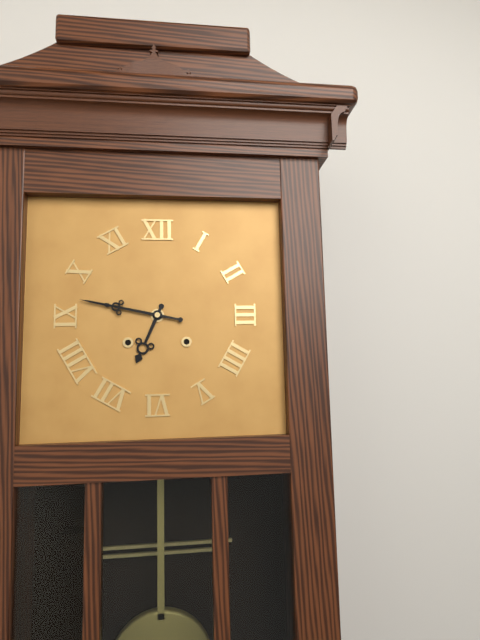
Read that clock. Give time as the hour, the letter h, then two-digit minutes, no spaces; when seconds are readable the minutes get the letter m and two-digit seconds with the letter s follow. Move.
6h47
